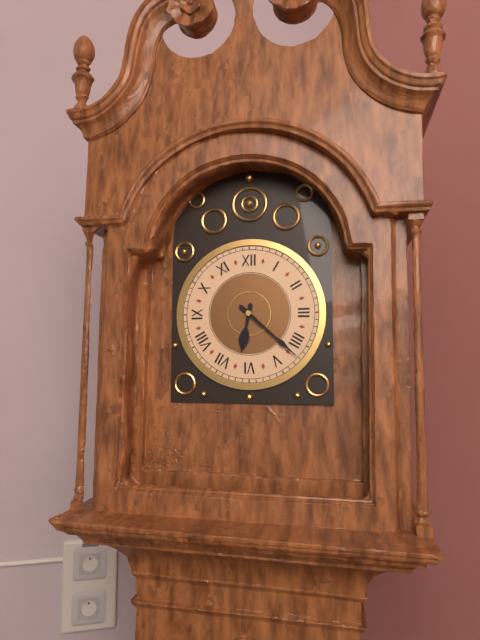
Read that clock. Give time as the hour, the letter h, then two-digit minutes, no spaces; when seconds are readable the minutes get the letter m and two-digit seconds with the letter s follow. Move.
6h22
